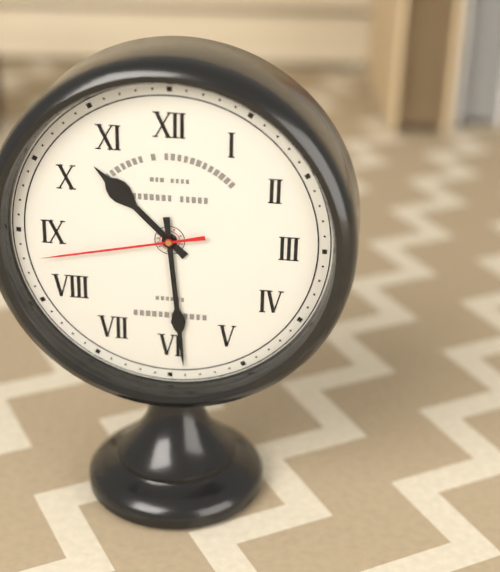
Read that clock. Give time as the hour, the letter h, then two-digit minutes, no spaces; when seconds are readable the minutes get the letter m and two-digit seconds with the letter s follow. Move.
10h29m43s
